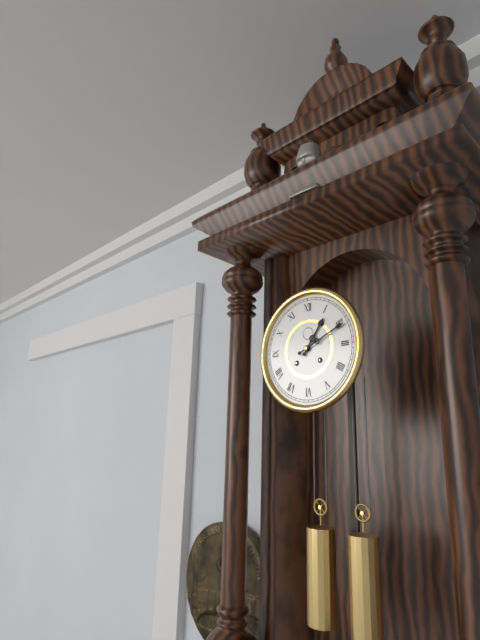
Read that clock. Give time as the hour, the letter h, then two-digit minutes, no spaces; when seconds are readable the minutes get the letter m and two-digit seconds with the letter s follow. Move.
1h11
